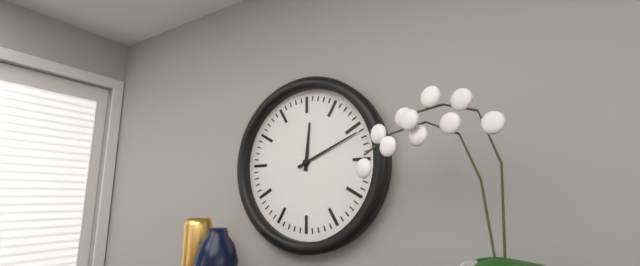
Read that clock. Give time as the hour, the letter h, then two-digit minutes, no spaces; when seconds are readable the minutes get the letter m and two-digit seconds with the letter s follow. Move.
12h11
